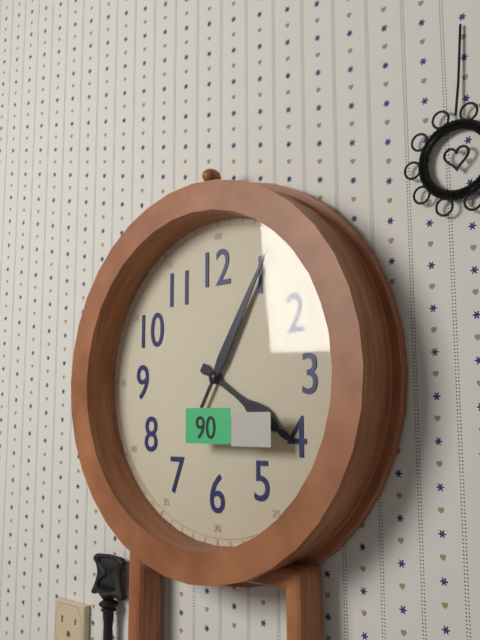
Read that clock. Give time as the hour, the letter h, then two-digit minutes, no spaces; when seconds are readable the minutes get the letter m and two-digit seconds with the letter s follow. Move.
4h05
